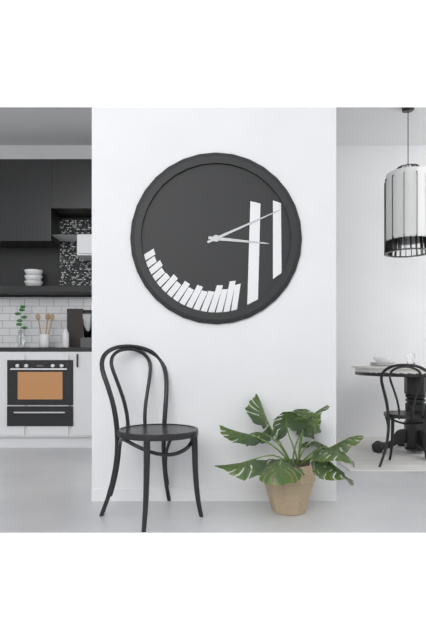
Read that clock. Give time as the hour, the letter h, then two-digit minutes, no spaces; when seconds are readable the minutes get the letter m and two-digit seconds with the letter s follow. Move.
3h11
